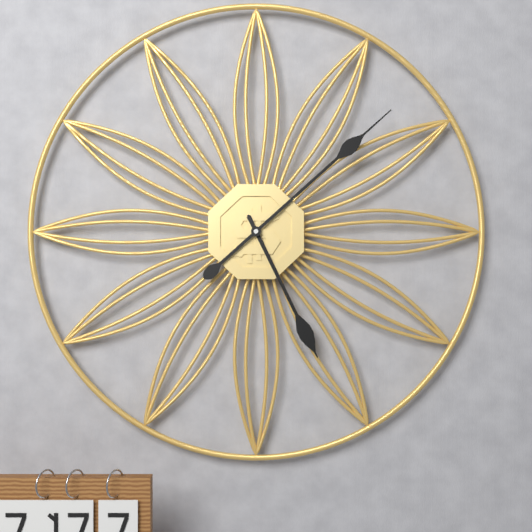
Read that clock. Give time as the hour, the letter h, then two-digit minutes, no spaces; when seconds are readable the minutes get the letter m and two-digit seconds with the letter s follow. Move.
5h08
